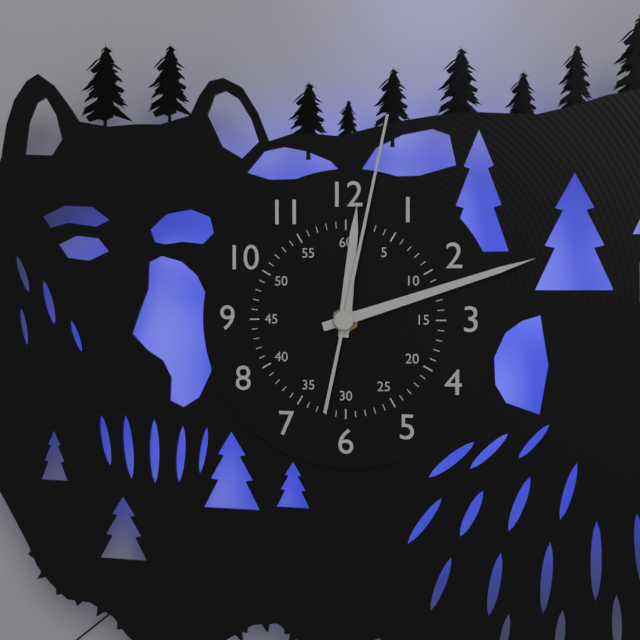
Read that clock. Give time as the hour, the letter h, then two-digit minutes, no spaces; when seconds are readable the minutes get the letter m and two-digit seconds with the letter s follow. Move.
12h12m02s
